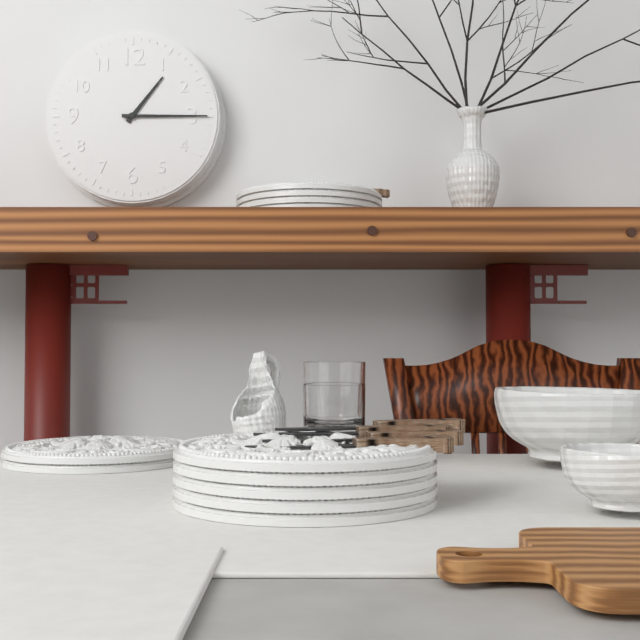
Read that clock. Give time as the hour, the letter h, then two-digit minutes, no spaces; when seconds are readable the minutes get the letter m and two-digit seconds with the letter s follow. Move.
1h15
